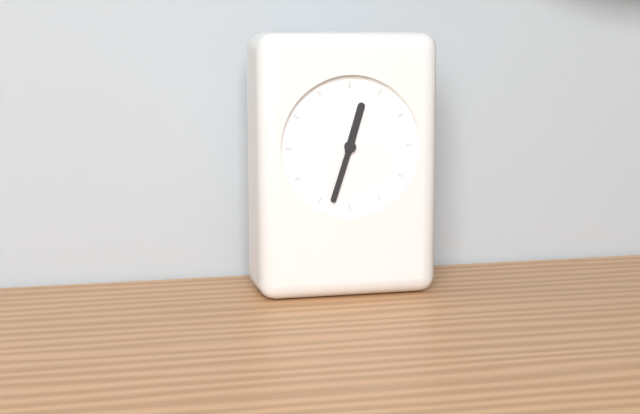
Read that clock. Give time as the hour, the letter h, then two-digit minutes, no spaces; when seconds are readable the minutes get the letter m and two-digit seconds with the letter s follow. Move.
12h33
